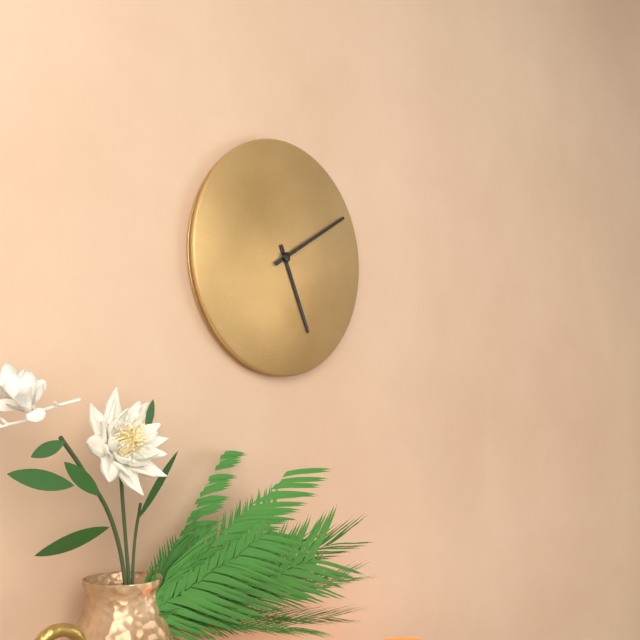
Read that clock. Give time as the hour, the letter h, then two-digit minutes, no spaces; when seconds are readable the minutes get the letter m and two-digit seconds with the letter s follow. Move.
5h10
